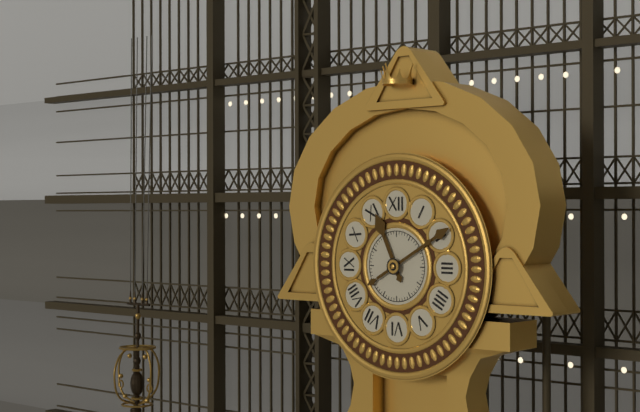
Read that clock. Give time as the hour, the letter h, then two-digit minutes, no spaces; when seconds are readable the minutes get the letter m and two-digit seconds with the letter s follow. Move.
11h10
